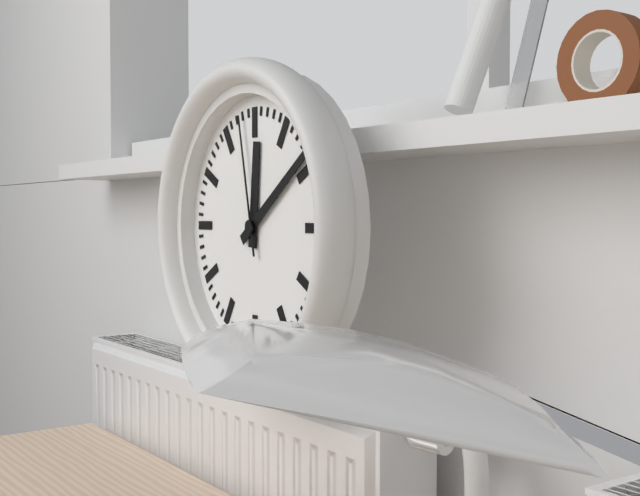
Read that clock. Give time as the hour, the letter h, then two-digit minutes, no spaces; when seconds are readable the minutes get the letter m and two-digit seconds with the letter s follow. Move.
12h09m58s
